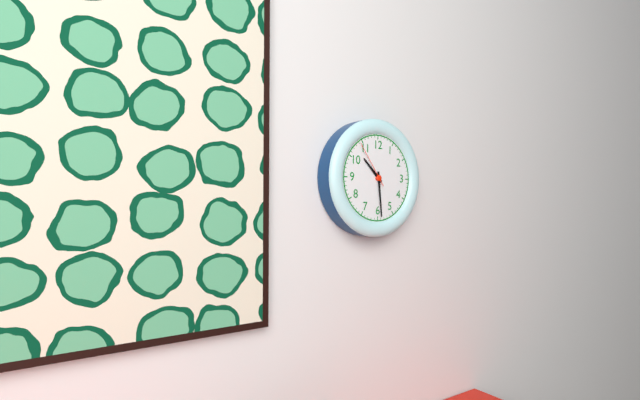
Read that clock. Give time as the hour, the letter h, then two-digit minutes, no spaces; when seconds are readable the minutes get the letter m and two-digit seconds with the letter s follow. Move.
10h29
